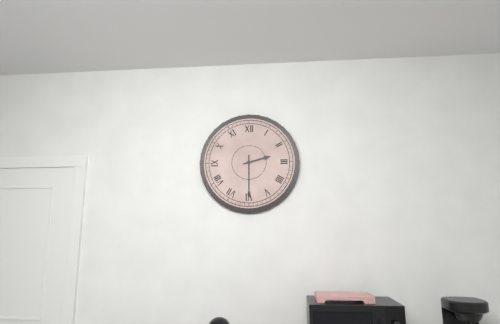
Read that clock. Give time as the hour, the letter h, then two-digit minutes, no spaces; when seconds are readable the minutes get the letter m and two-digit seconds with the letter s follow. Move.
2h30
